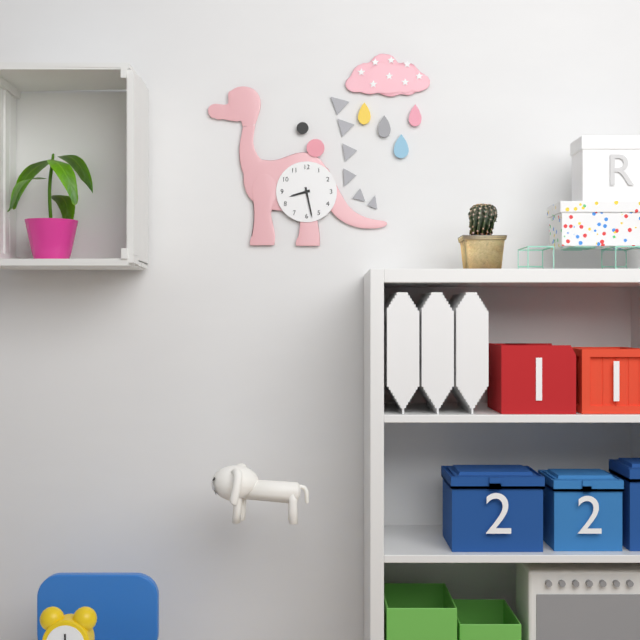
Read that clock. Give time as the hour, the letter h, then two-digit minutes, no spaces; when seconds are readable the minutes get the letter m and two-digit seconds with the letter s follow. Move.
8h28
